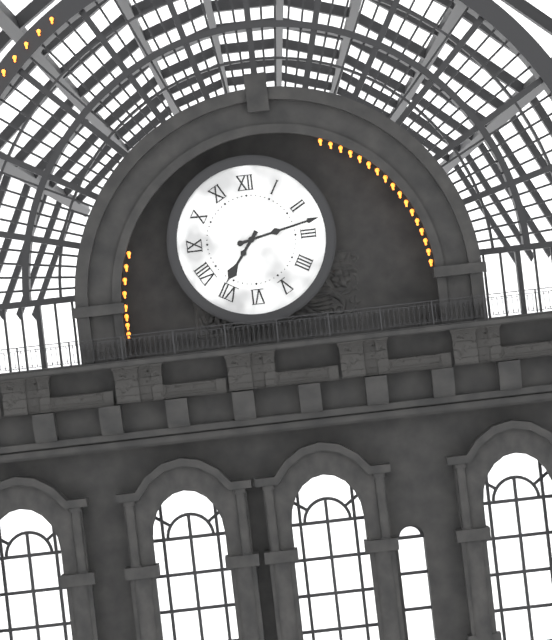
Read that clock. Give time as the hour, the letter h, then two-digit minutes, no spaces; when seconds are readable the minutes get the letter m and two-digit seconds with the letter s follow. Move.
7h13
